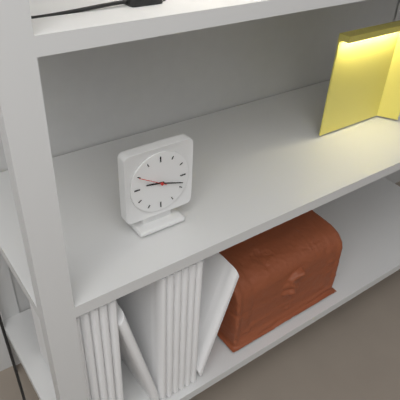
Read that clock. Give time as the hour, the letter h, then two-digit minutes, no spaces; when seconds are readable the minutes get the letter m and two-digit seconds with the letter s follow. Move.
9h18
